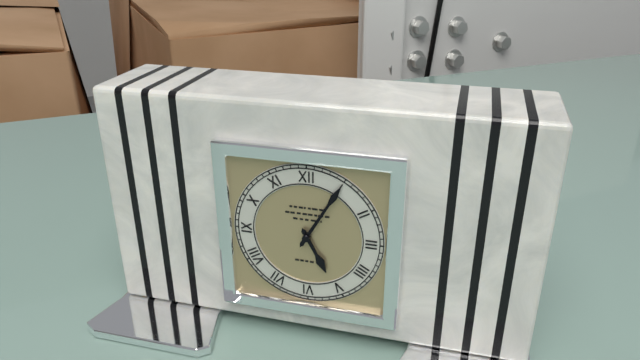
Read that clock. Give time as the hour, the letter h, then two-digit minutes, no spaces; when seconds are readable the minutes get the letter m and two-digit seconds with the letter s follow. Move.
5h05
